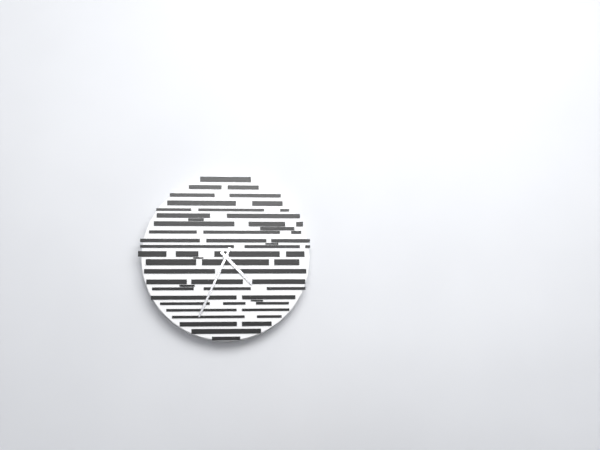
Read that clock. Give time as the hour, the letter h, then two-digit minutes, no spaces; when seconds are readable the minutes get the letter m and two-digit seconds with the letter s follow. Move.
4h34
